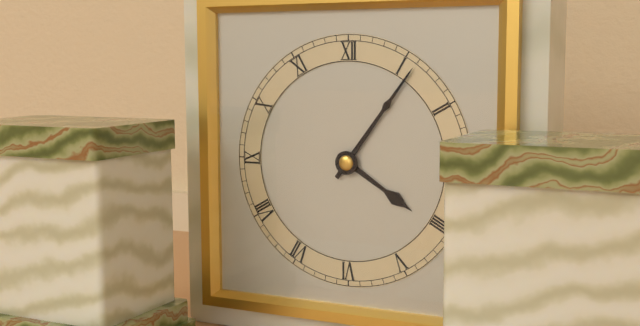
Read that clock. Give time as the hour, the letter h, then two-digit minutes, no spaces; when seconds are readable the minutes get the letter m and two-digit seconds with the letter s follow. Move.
4h06
